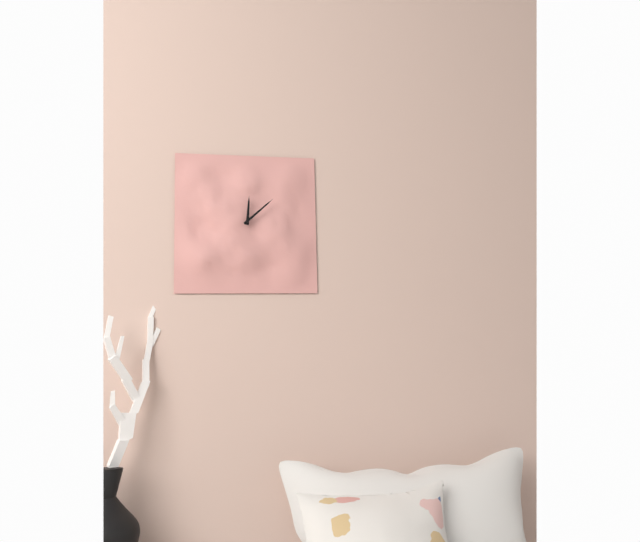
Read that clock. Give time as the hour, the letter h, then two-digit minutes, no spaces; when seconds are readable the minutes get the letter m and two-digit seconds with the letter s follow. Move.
12h08
